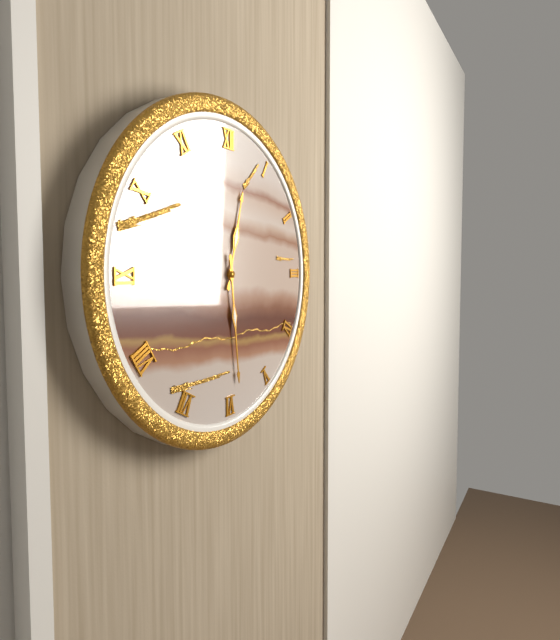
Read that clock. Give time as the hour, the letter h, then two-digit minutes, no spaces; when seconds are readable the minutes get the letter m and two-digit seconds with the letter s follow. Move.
12h29
